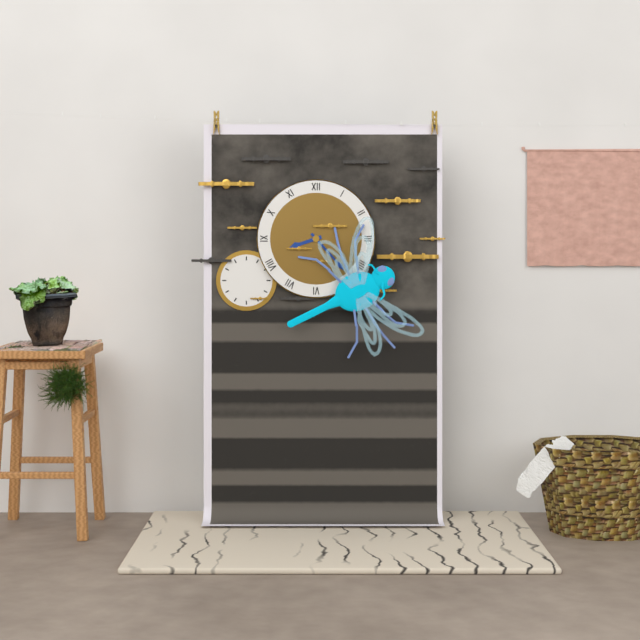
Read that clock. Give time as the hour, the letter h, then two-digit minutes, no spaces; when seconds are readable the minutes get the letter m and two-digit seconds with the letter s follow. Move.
8h23
